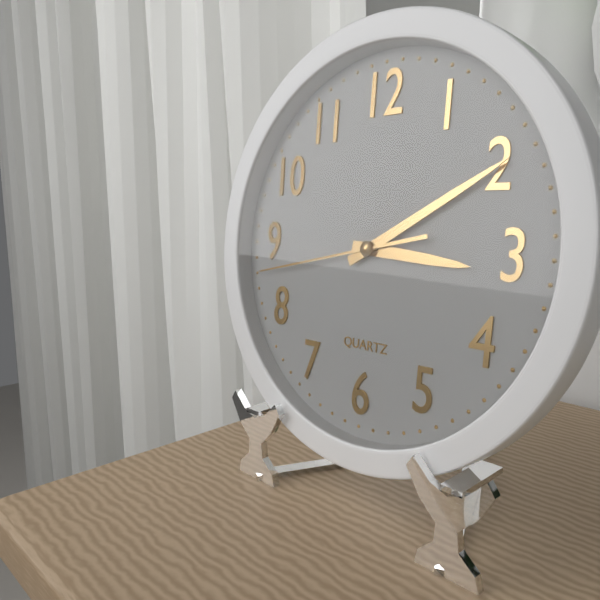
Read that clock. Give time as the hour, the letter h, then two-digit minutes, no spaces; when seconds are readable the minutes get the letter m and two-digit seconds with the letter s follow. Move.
3h10m43s
